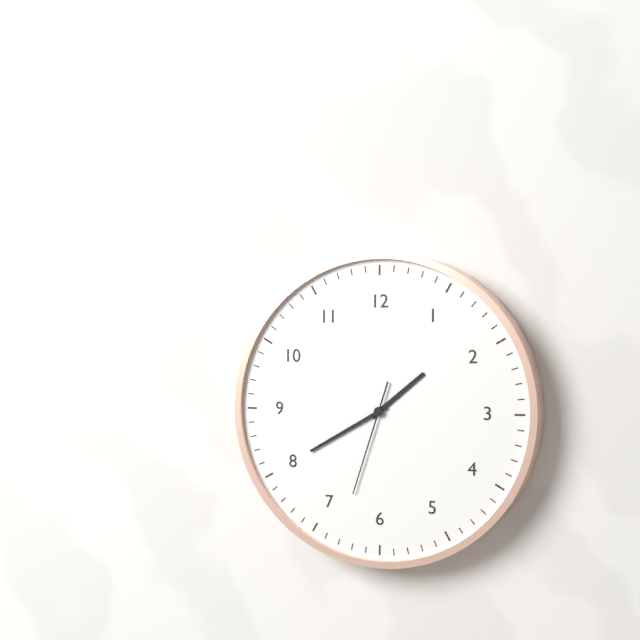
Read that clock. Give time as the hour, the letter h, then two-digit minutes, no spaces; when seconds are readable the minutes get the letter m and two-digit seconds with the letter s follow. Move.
1h40m33s
